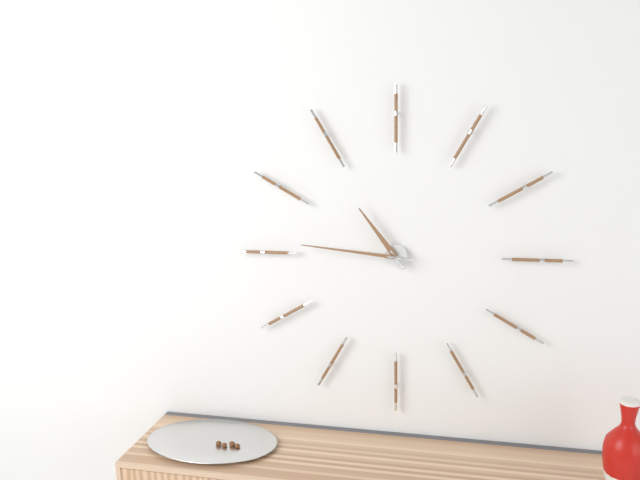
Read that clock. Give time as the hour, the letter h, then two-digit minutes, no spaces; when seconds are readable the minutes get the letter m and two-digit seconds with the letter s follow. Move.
10h46
